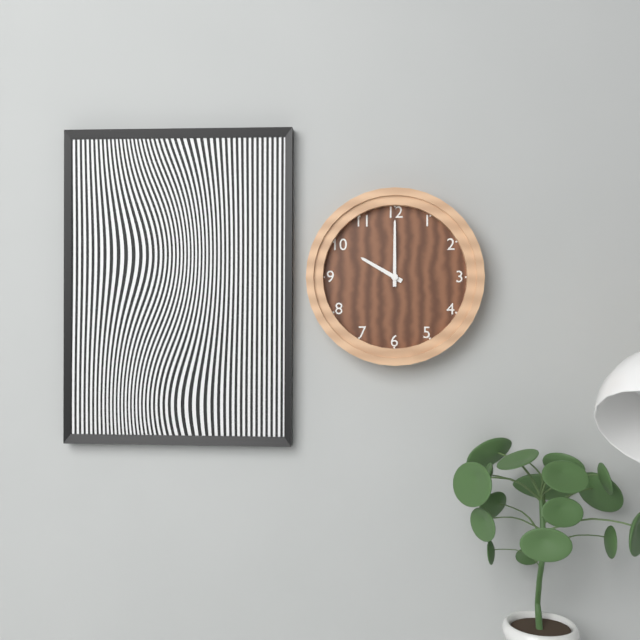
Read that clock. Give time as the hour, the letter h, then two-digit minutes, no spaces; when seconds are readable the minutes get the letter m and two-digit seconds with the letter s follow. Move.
10h00
